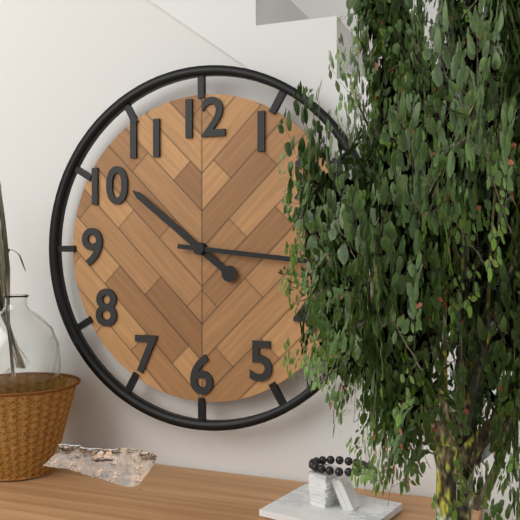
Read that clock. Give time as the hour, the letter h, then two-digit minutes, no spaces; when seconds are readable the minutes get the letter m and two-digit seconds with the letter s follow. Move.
10h16
